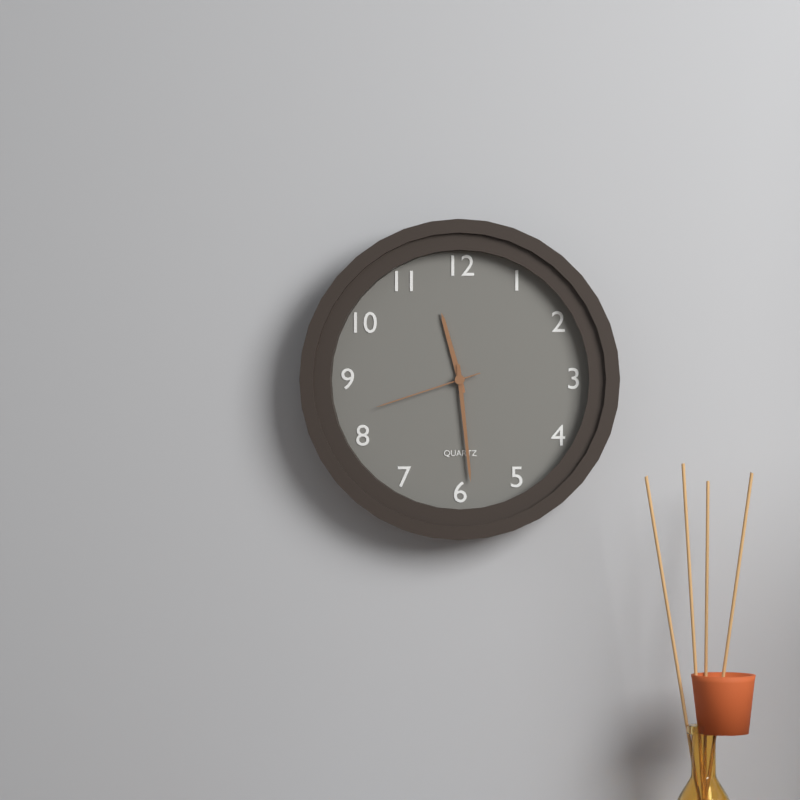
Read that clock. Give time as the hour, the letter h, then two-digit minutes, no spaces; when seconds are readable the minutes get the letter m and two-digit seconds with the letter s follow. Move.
11h29m42s
